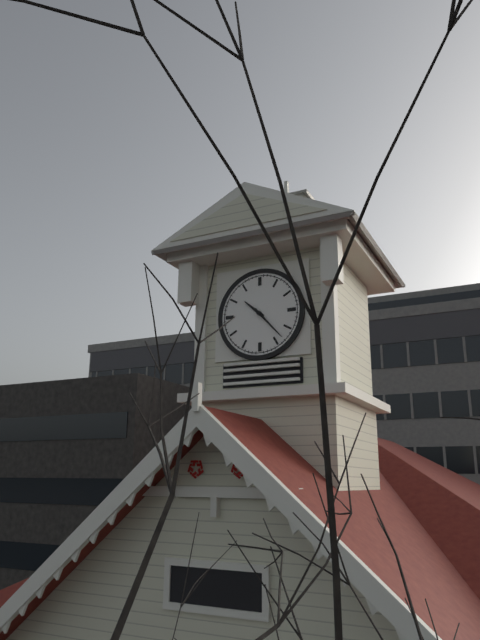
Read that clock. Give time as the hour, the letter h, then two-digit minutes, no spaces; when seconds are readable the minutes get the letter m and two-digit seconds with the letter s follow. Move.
10h23
